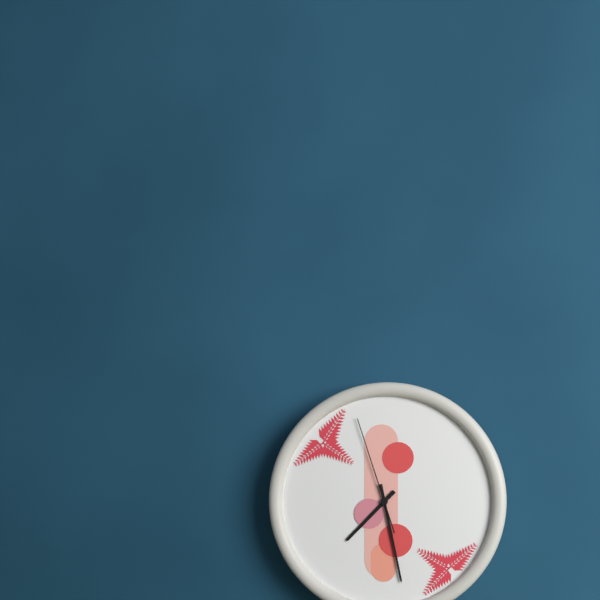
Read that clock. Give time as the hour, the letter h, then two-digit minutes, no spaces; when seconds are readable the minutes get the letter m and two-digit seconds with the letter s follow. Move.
7h28m57s
